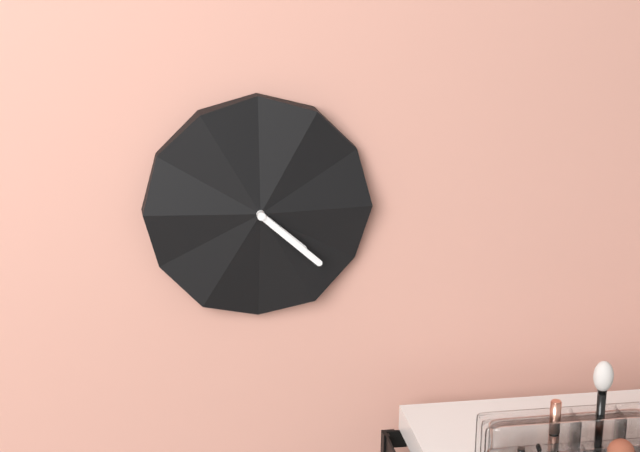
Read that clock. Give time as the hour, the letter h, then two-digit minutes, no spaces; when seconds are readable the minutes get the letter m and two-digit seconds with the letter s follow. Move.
4h22
